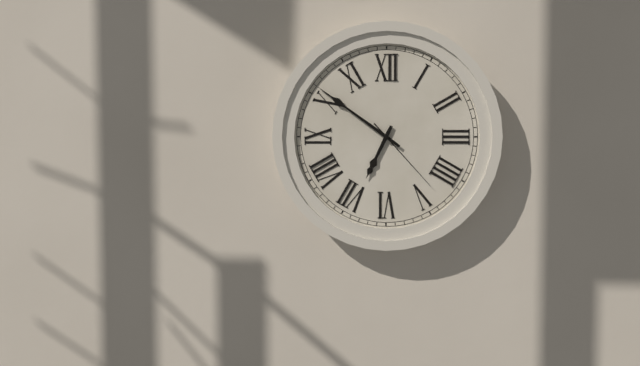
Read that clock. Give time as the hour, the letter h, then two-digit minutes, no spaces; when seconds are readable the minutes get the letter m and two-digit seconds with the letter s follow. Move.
6h51m23s
